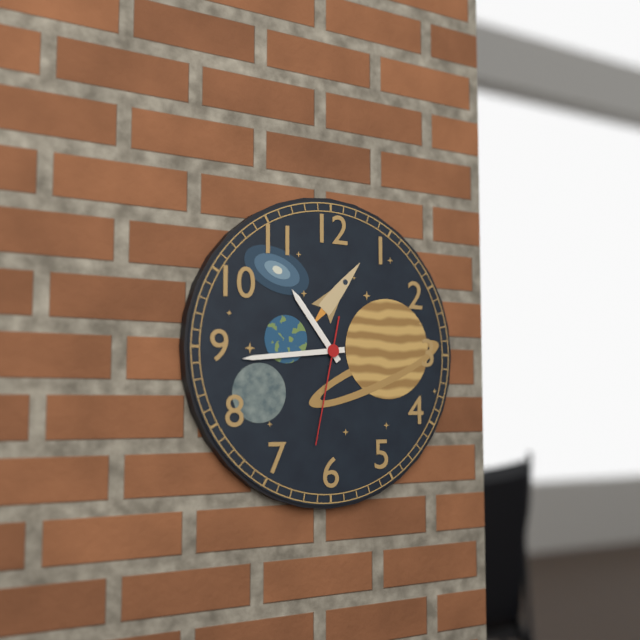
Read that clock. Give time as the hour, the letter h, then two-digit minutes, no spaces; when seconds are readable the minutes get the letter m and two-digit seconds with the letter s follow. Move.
10h44m32s
